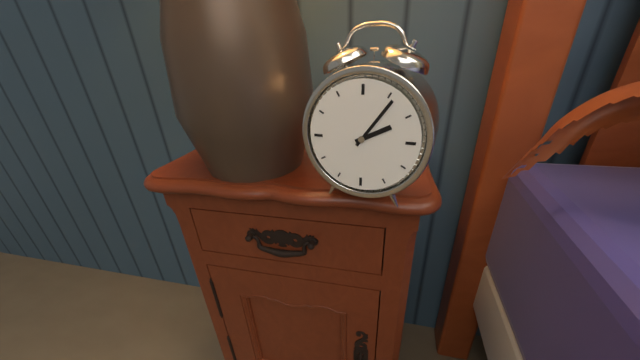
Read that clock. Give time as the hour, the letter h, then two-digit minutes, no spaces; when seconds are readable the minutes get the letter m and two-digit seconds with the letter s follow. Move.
2h06
